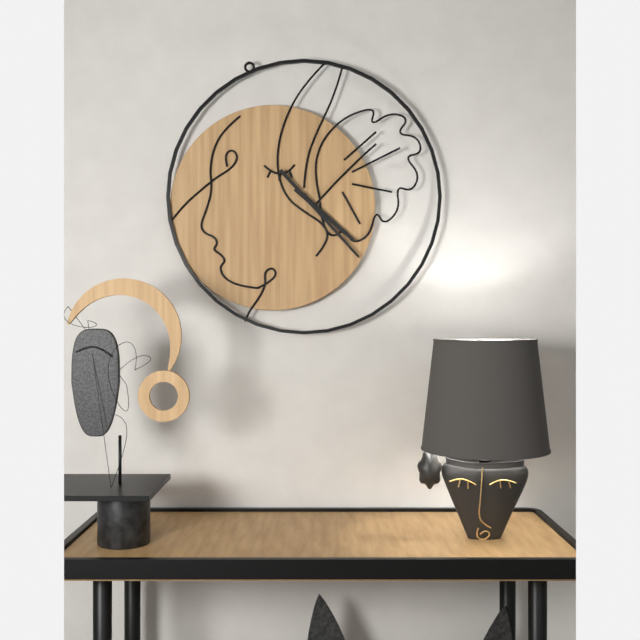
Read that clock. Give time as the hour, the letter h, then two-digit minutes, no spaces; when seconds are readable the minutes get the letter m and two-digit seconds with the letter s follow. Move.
4h23
